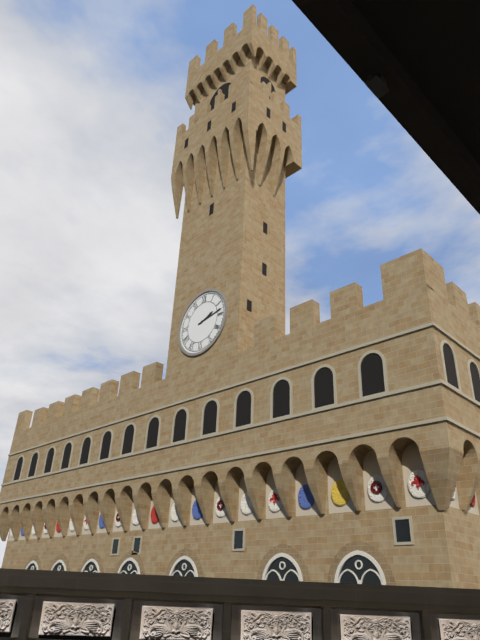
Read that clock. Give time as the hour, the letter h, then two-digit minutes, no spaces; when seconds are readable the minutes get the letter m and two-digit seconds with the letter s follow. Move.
2h13
